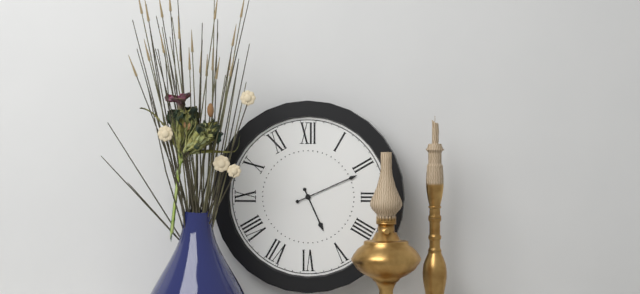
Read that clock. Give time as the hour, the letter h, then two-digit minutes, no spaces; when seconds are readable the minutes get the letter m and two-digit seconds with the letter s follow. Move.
5h11
